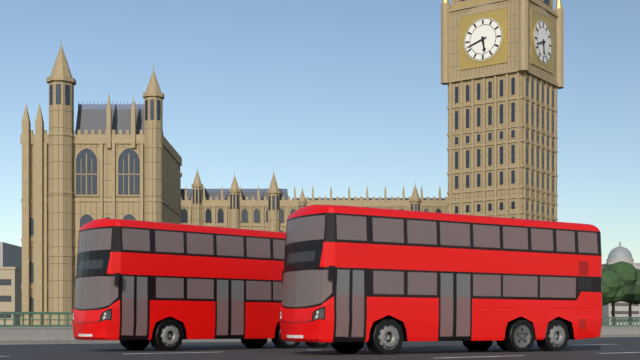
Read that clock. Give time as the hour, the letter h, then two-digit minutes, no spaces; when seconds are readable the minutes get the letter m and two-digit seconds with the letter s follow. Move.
5h42
